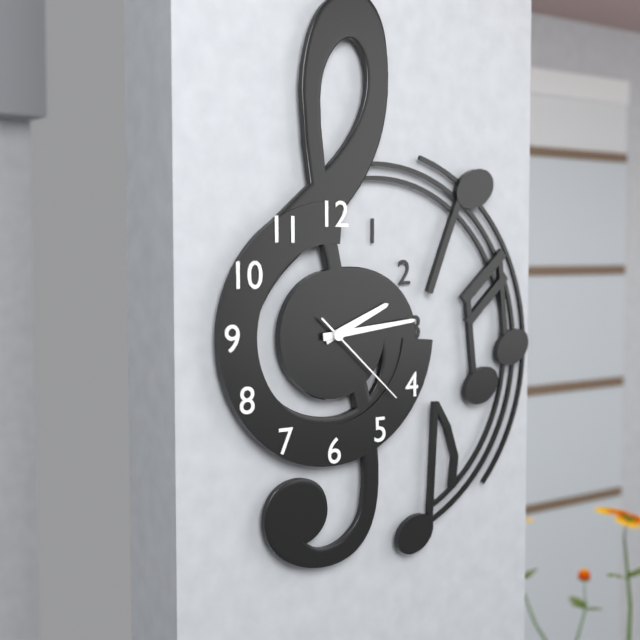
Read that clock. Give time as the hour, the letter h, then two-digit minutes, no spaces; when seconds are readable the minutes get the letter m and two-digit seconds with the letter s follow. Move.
2h14m22s
